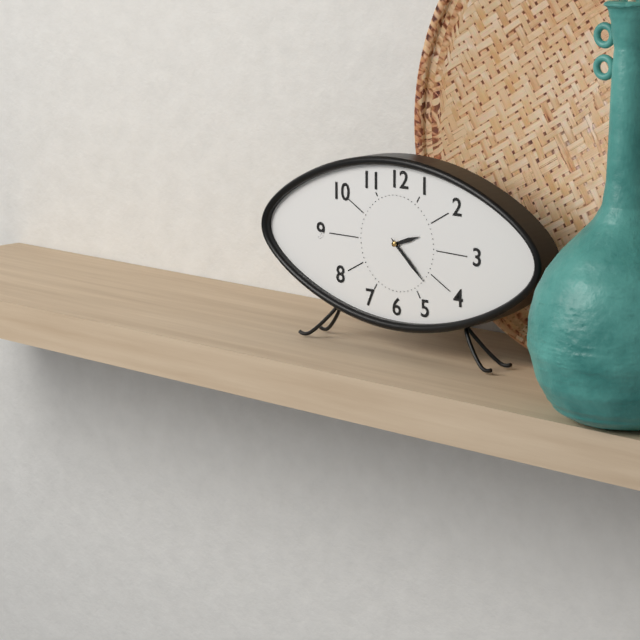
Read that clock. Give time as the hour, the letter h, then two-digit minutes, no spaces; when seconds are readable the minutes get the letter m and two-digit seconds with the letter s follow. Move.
2h22
